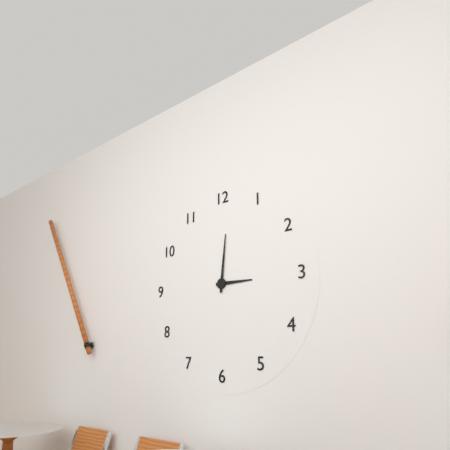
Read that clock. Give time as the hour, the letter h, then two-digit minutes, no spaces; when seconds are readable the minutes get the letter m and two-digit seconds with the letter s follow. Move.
3h01
